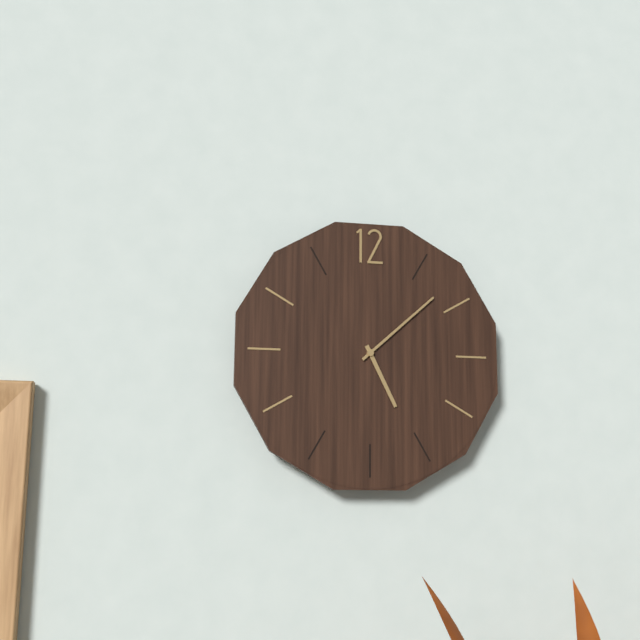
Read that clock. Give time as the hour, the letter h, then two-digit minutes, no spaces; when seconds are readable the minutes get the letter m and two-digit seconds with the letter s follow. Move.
5h08
